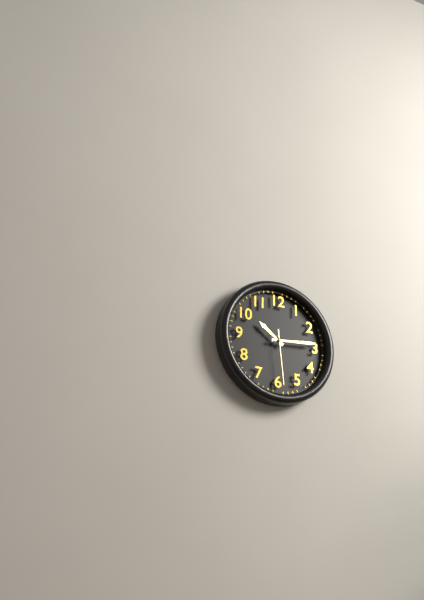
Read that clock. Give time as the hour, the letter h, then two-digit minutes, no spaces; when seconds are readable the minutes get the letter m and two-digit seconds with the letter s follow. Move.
10h14m29s
